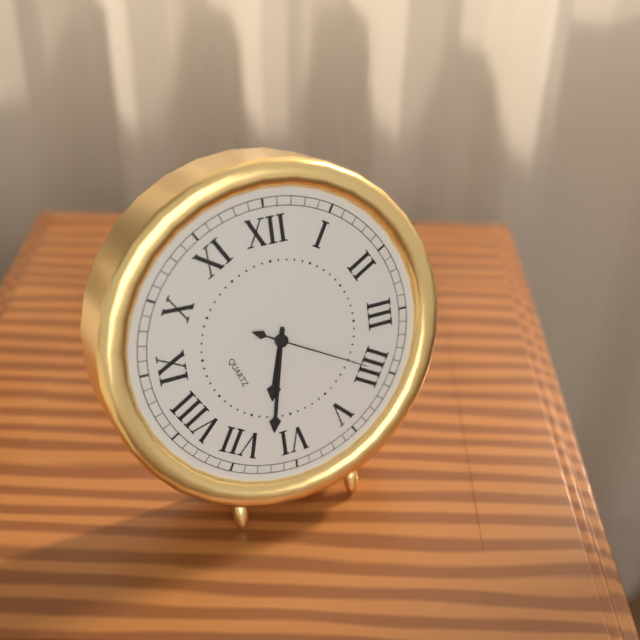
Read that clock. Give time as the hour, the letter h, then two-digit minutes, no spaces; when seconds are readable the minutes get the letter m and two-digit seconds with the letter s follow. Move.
6h32m20s
